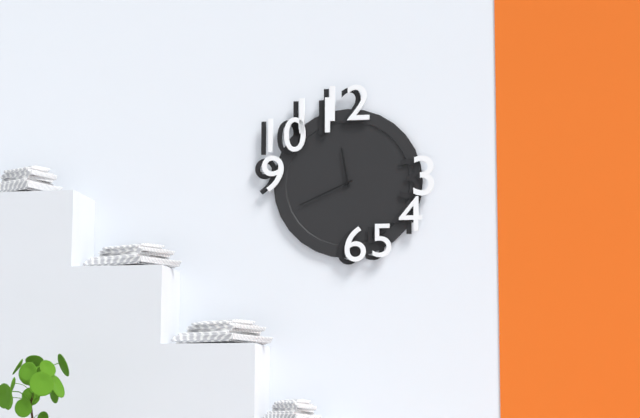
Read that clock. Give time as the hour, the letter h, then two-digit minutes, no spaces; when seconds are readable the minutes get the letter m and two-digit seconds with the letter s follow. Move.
11h41
